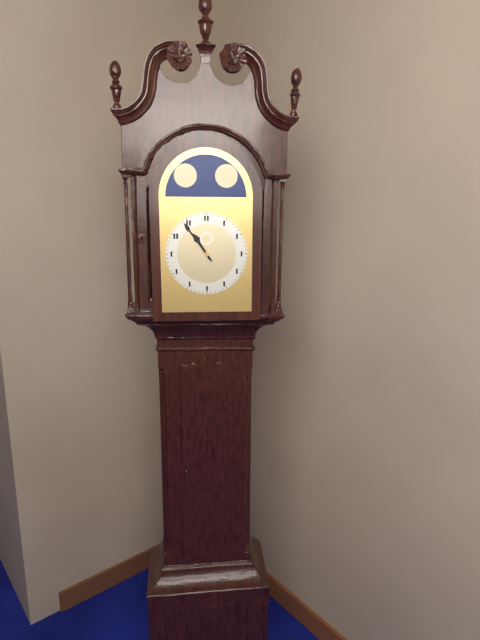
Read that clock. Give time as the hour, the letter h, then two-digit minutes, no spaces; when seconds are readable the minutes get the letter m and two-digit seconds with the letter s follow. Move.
10h54
